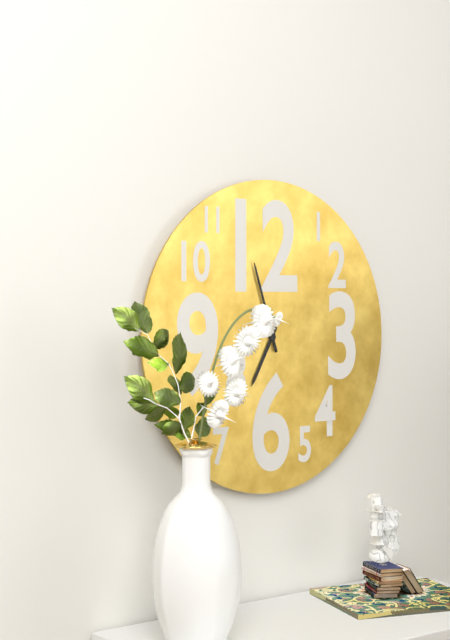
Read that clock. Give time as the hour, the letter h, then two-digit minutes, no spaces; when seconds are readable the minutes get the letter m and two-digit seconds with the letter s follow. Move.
6h57
